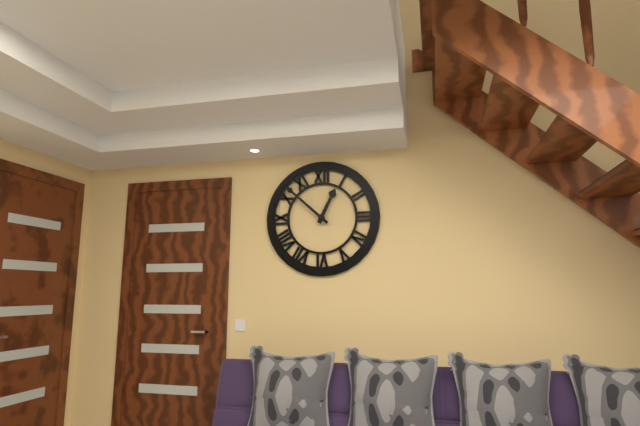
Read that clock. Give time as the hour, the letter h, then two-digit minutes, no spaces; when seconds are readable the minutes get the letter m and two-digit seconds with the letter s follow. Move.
12h52
